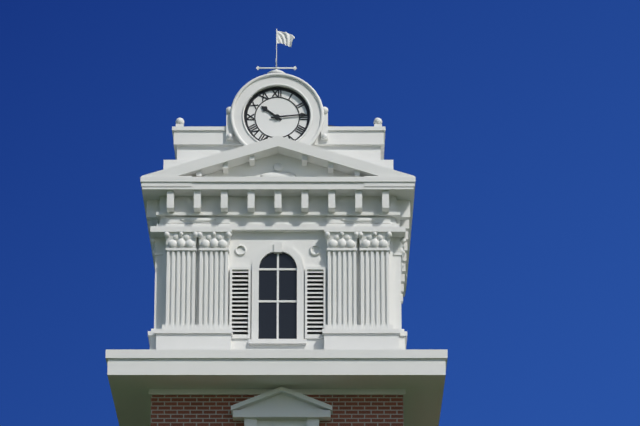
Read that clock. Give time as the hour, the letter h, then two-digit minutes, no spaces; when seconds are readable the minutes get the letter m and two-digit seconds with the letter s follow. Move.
10h14
